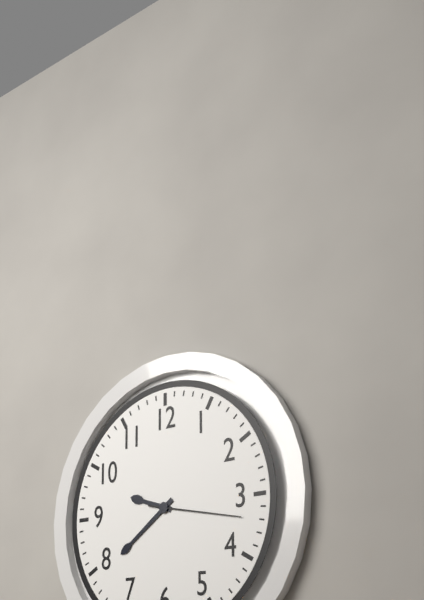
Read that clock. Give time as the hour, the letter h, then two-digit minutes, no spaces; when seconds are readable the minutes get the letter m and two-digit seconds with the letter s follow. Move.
9h39m17s
